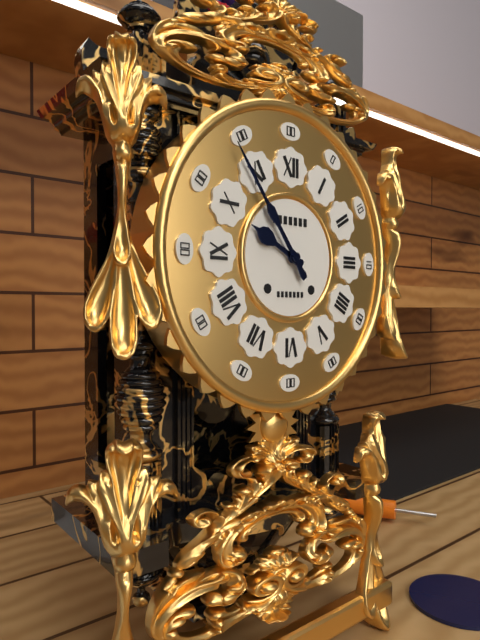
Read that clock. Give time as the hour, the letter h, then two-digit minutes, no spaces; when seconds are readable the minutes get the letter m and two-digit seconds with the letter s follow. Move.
9h54
